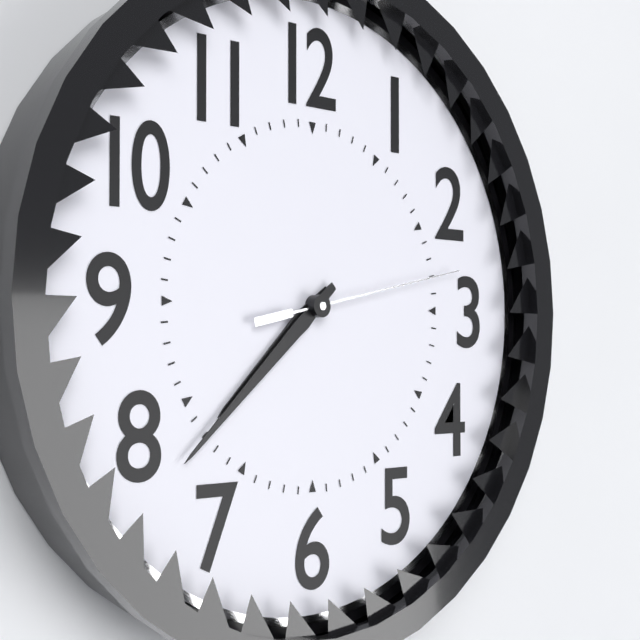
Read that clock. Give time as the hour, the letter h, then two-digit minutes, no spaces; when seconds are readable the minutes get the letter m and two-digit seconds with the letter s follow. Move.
7h38m13s
